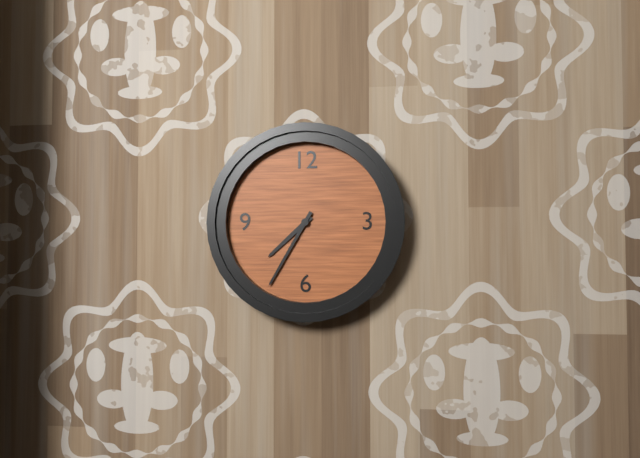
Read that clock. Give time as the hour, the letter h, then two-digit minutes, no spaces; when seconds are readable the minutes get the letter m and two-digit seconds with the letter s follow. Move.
7h35
